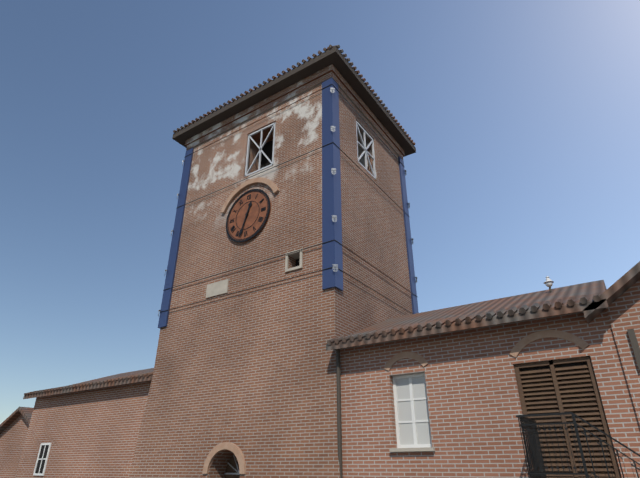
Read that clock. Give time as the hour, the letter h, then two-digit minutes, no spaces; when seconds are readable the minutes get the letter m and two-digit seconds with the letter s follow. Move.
12h33
